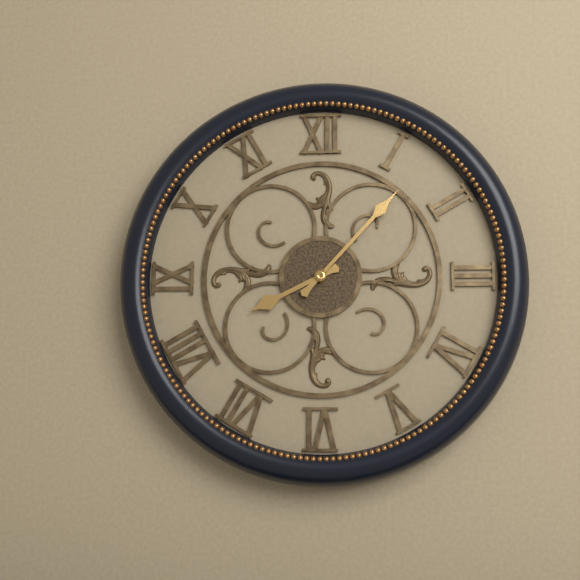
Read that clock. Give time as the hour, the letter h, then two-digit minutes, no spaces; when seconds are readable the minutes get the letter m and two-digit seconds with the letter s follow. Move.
8h07
